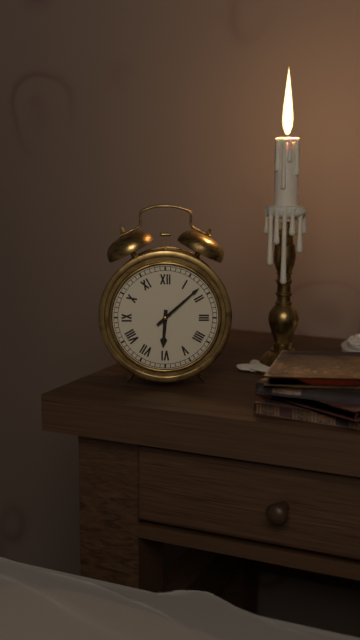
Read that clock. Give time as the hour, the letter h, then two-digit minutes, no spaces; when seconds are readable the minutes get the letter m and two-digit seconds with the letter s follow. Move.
6h08
